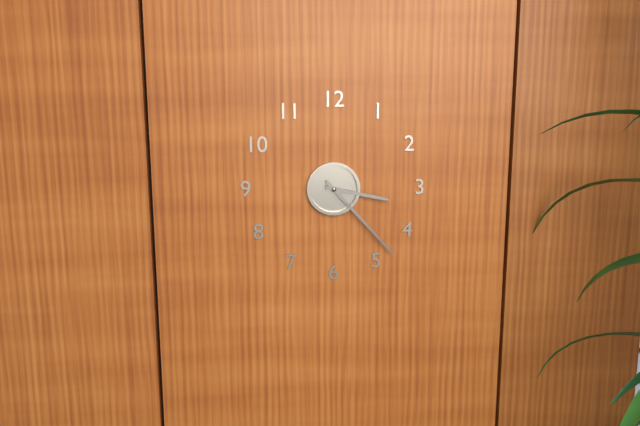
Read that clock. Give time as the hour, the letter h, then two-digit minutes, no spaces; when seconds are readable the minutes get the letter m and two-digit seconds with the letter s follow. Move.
3h23
